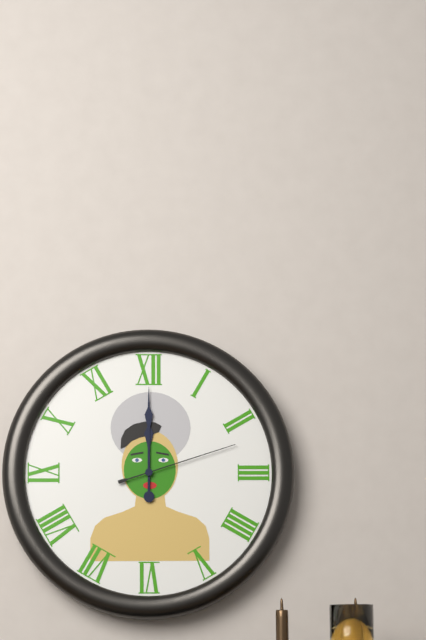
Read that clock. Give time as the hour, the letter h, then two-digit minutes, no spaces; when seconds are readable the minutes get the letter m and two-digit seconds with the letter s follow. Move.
12h00m12s
